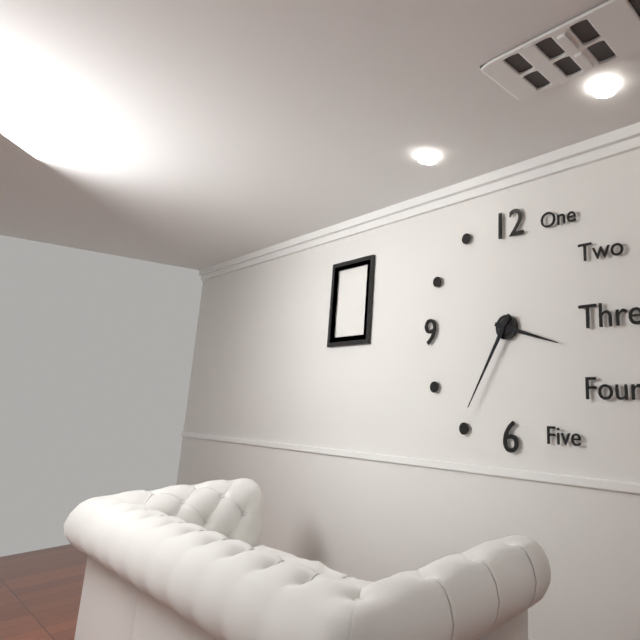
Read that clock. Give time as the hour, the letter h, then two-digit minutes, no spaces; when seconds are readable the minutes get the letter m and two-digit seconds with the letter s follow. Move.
3h35
